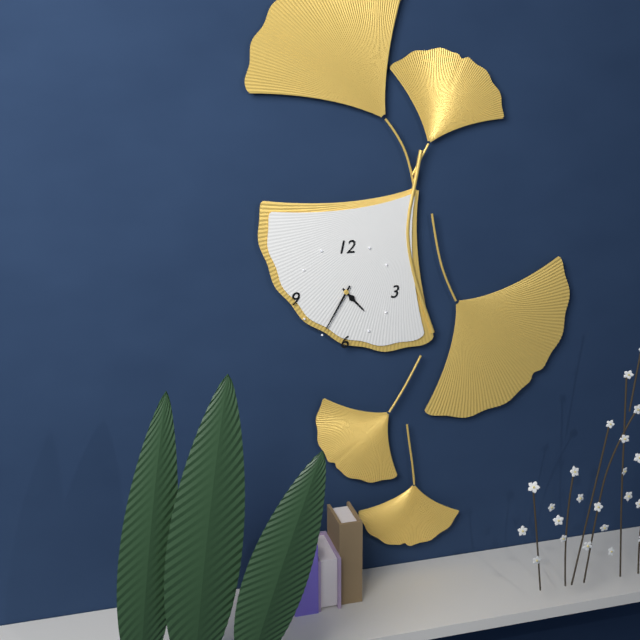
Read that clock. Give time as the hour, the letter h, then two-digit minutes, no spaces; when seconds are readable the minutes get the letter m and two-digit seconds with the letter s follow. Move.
4h35
